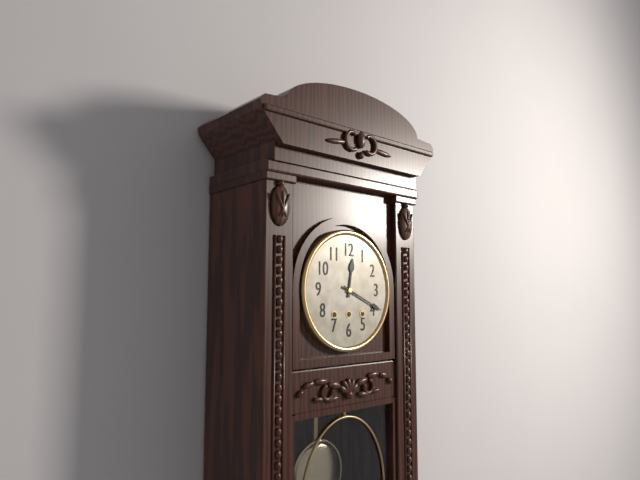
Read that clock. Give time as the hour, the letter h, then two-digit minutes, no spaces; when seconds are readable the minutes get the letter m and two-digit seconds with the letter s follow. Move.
12h19
